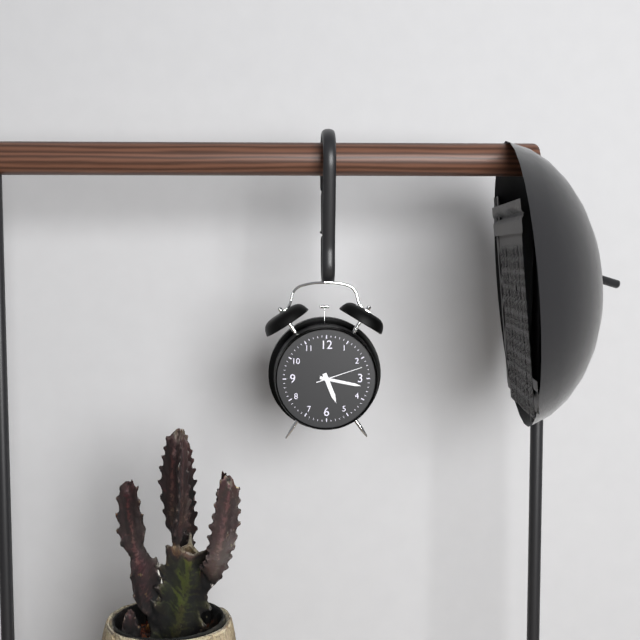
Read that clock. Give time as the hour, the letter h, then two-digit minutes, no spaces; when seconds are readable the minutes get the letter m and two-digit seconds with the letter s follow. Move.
5h17
